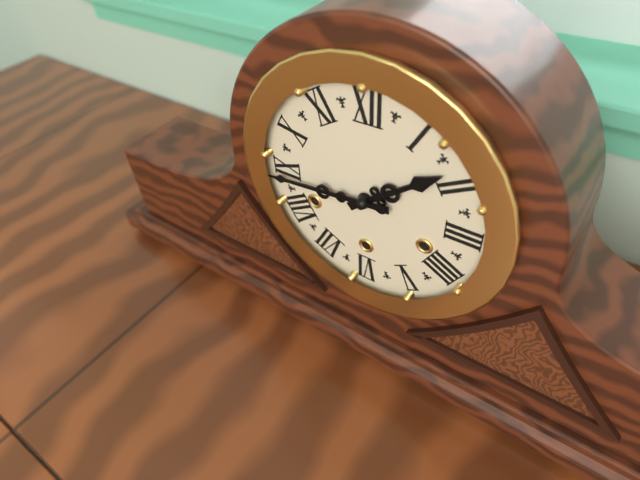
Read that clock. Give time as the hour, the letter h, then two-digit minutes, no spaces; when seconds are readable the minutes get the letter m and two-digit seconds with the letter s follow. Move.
1h44
